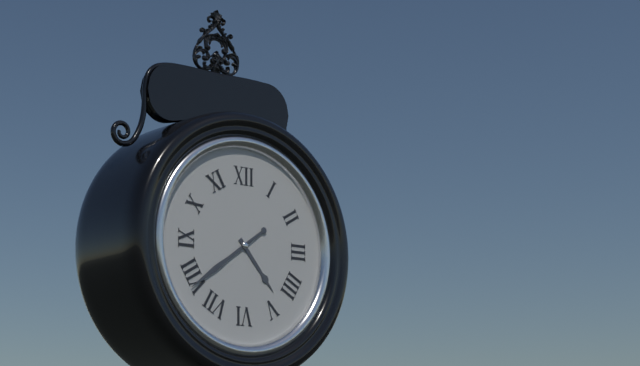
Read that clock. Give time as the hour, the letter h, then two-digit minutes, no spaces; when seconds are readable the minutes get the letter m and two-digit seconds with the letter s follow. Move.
4h39
